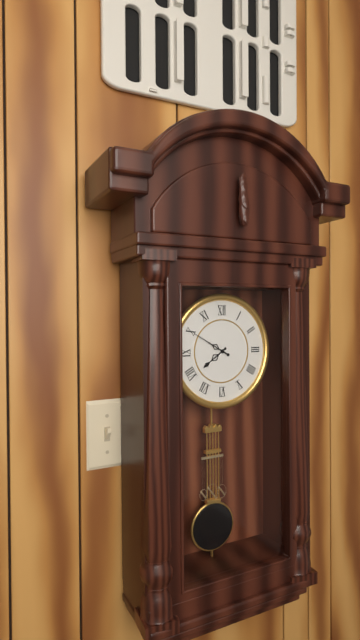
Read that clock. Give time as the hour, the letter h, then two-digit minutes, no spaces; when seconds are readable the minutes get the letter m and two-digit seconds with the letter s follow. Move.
7h50
